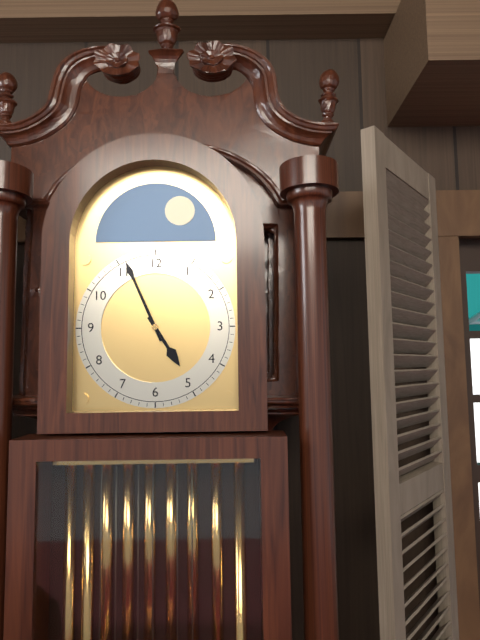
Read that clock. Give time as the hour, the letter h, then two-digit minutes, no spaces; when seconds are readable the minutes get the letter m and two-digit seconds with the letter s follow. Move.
4h56
